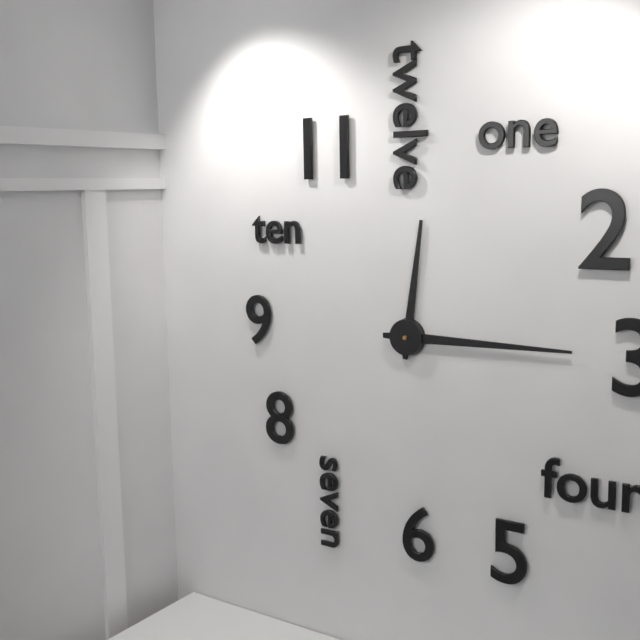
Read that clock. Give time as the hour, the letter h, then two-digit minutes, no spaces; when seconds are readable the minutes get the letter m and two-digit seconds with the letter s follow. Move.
12h15
